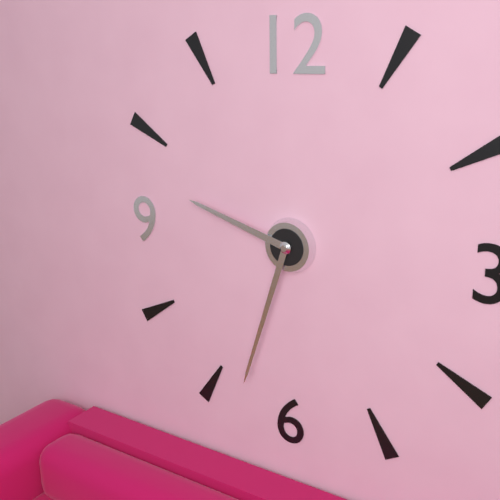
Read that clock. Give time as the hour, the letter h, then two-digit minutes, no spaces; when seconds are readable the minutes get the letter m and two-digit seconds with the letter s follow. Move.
9h33
